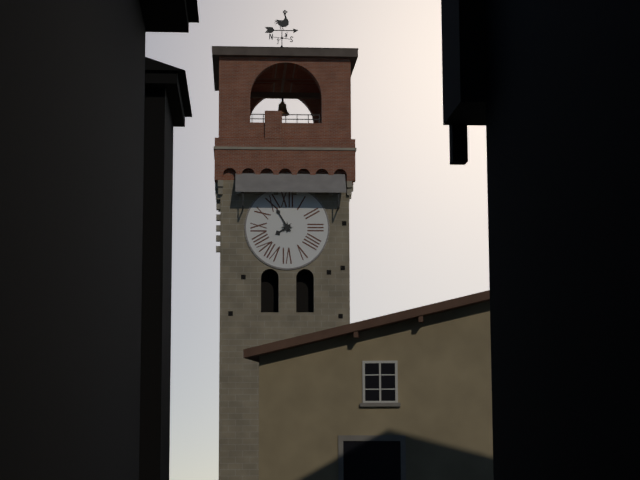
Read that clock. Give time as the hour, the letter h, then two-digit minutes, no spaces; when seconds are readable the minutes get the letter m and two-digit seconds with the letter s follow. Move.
7h55
